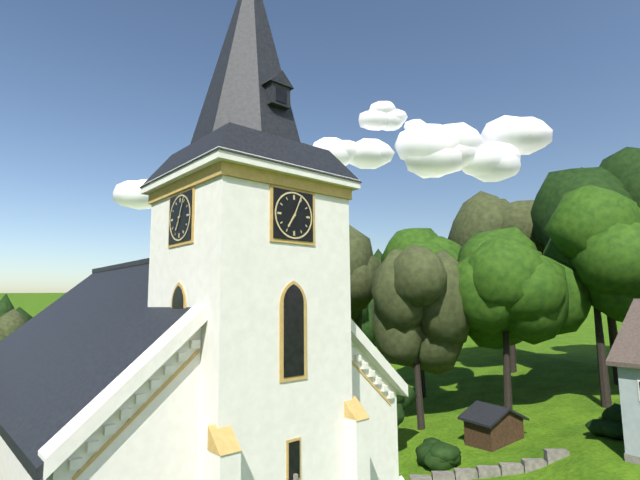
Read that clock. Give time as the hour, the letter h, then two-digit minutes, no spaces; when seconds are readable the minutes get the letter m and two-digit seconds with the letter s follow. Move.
7h04
